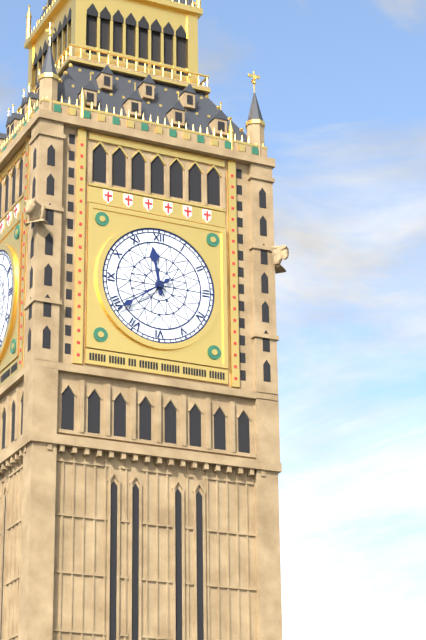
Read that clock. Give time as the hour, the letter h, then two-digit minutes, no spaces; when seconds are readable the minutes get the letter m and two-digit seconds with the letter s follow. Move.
11h39
